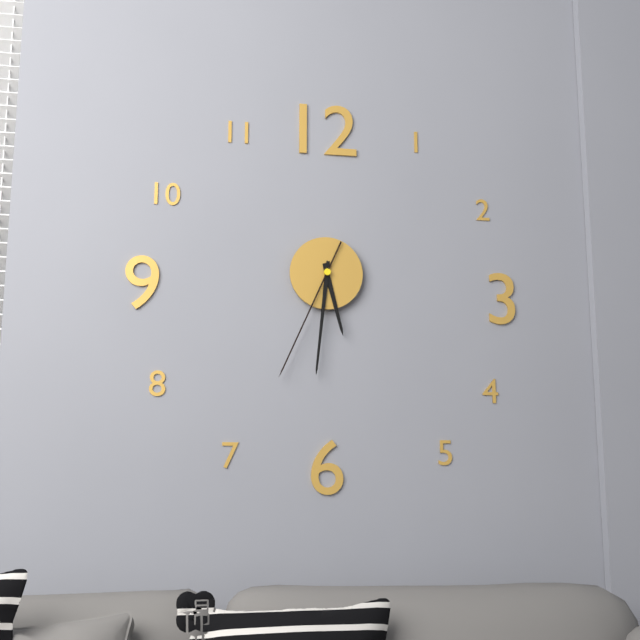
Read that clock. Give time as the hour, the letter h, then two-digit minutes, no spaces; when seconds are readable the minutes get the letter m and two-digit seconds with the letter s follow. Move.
5h31m34s
